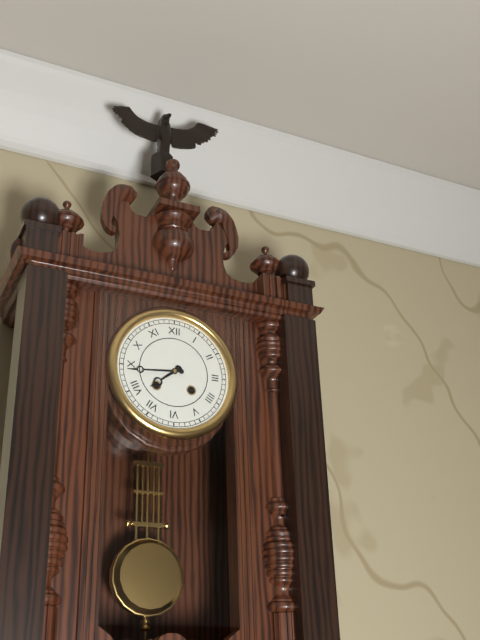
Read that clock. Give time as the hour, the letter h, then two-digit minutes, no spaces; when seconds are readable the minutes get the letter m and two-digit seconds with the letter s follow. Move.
7h44
